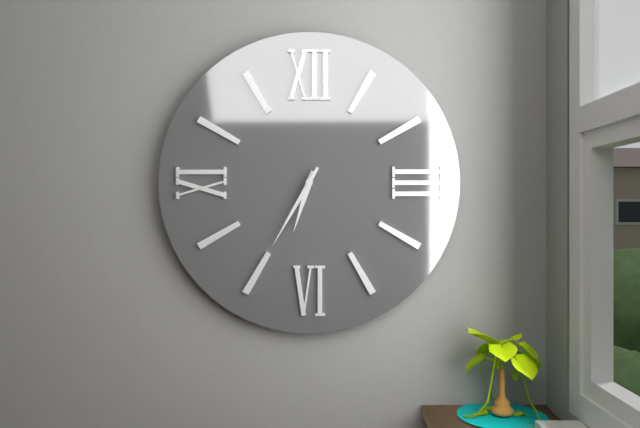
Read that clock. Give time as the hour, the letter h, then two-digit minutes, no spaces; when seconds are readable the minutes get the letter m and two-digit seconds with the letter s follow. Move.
6h35
